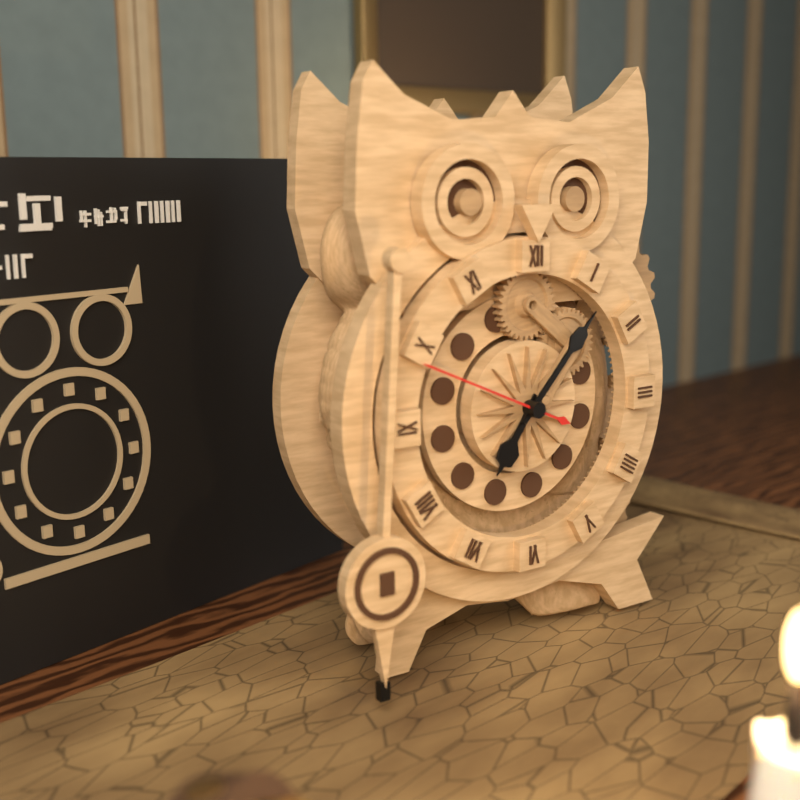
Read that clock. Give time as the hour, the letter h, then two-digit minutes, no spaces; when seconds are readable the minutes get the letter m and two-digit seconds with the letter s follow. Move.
7h07m49s
